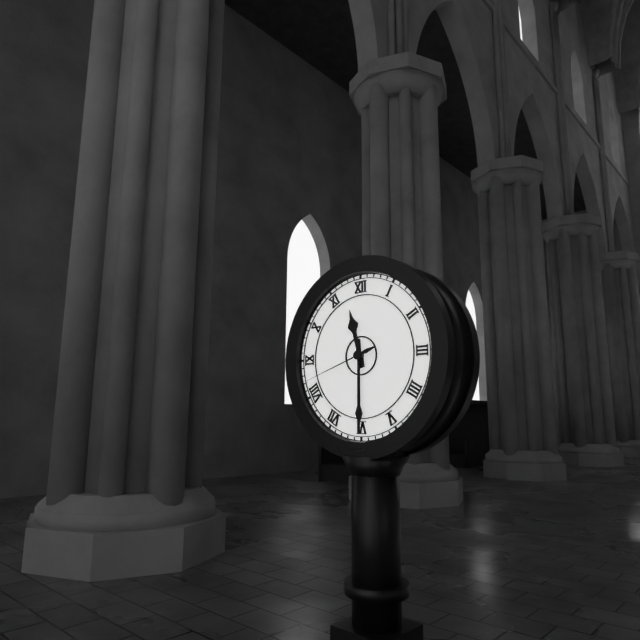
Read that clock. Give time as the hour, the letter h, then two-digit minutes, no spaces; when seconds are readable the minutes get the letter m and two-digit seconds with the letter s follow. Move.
11h30m42s
